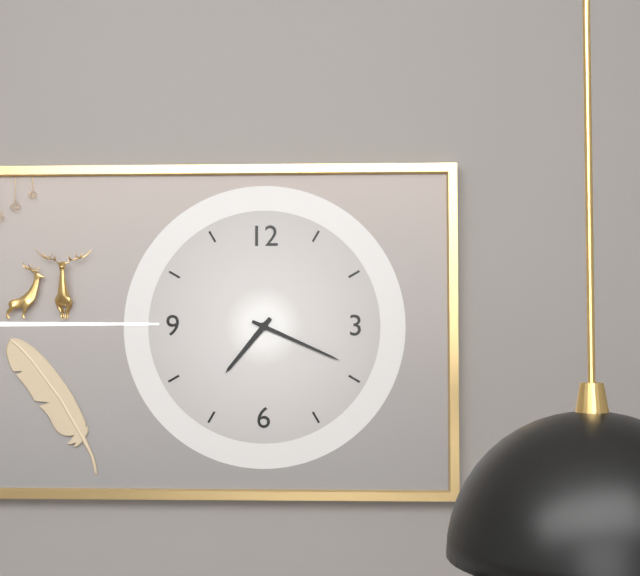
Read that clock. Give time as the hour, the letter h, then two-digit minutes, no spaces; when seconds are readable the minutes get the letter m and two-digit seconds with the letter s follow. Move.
7h19
